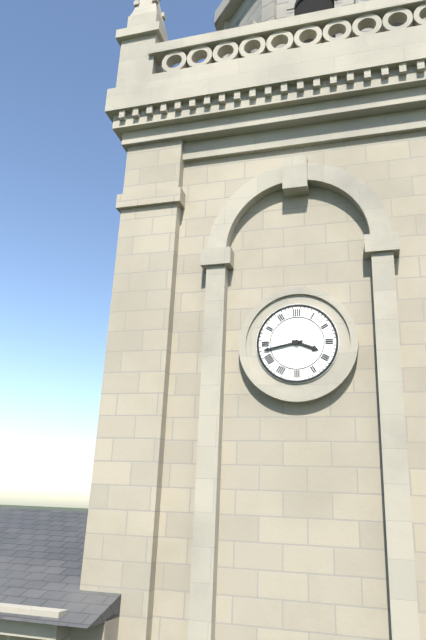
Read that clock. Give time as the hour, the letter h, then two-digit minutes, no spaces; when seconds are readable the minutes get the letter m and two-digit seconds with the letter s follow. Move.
3h43
